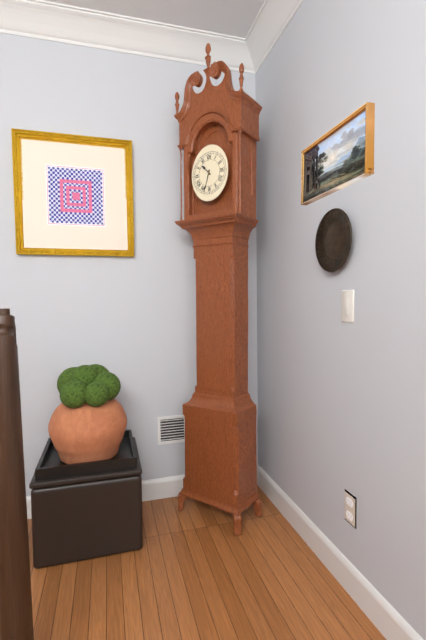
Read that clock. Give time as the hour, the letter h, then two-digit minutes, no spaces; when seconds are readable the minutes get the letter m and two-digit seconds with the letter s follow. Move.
10h33
